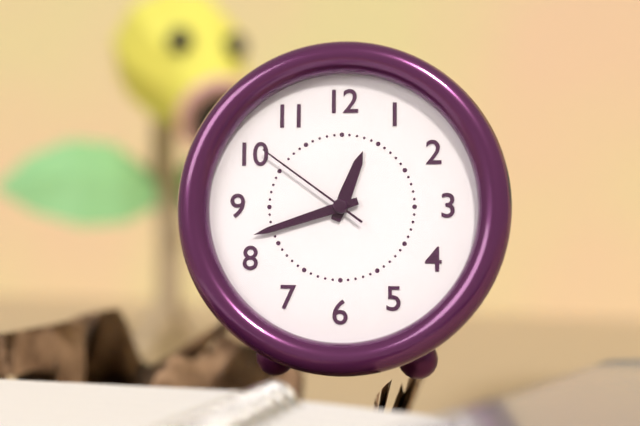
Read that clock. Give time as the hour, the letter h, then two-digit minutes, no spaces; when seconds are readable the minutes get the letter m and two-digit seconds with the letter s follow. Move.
12h42m51s
